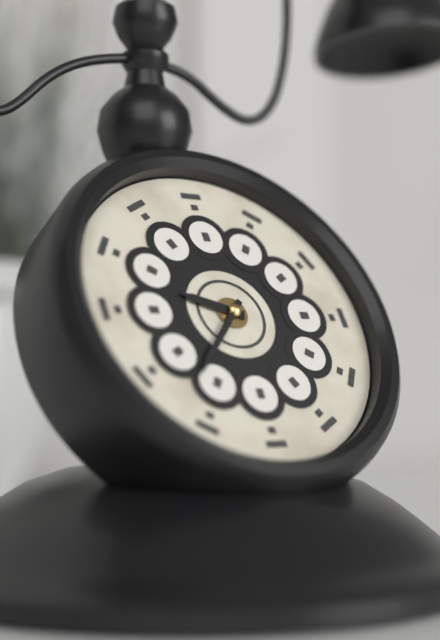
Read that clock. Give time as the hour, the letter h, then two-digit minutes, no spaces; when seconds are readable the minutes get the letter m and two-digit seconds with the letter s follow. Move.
9h37
